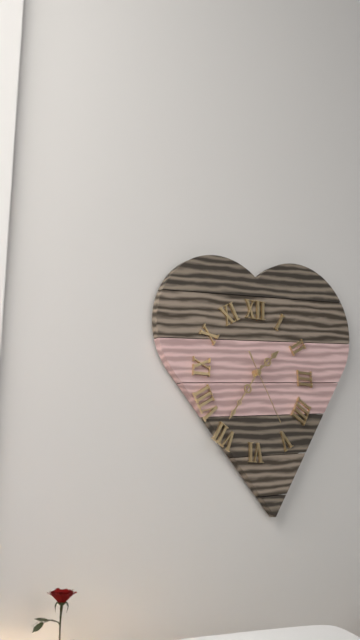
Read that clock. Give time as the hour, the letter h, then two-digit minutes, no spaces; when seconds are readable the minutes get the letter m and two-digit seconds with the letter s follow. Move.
1h36m25s
